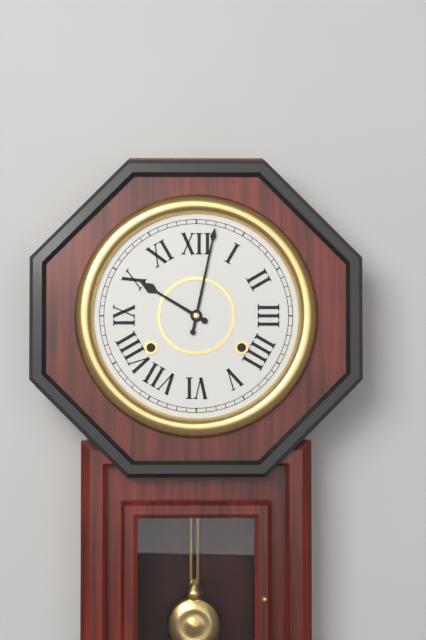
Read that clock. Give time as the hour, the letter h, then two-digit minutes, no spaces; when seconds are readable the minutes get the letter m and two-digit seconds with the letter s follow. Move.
10h02
